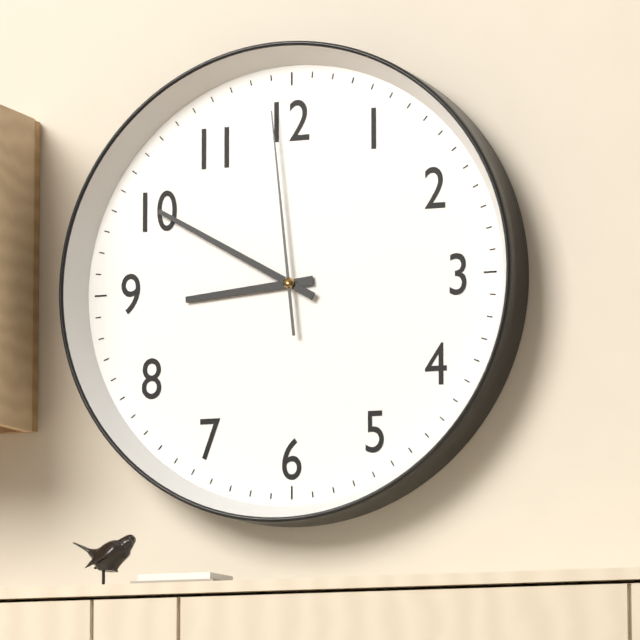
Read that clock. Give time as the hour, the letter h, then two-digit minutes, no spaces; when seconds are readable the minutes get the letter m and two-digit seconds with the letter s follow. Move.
8h50m59s
